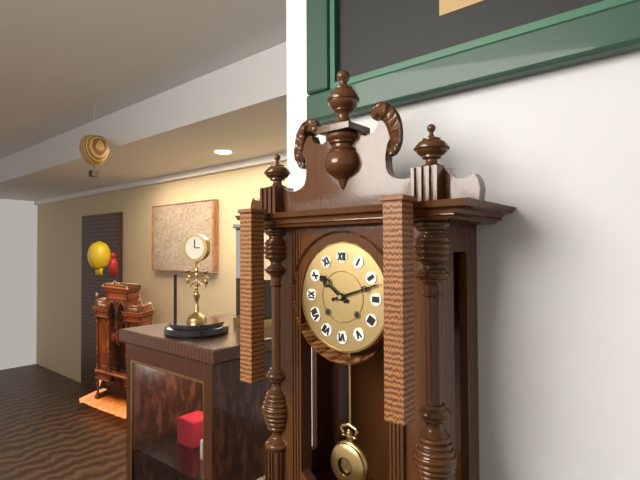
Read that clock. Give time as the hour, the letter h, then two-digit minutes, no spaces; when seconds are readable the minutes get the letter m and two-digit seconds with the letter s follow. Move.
10h12
